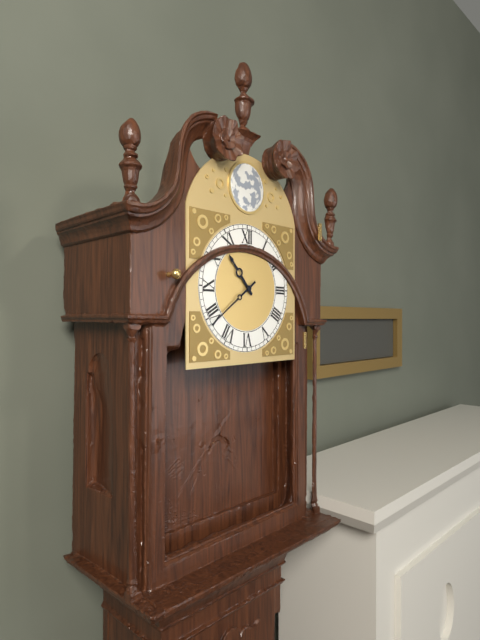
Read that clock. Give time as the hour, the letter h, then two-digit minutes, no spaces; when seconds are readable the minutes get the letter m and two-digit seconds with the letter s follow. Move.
10h39
